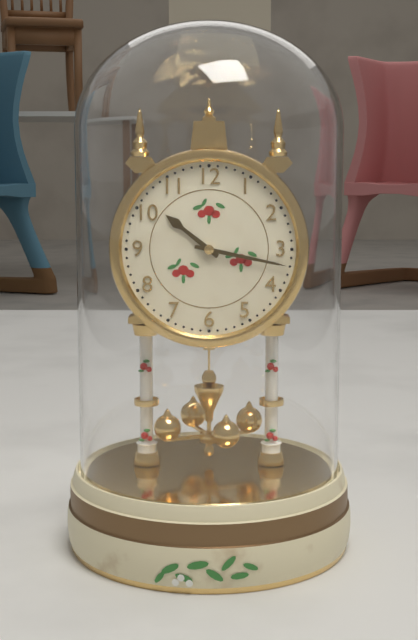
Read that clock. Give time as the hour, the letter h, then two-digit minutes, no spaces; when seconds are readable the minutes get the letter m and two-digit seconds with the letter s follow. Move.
10h17
